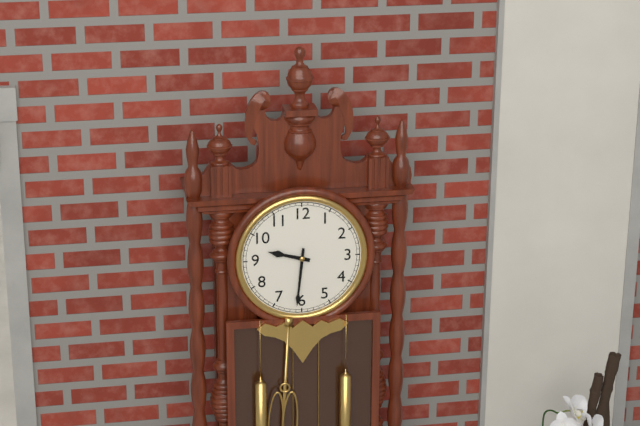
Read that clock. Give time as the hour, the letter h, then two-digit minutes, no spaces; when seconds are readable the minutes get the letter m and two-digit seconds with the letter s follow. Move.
9h31
